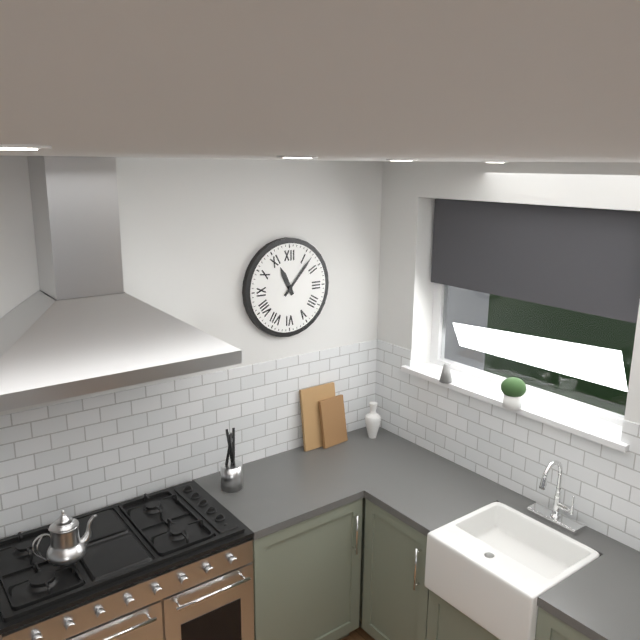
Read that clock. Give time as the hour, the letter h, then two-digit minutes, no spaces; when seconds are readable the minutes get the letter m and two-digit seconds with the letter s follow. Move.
11h07
